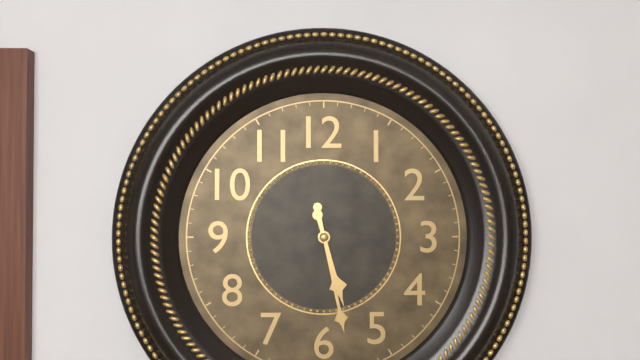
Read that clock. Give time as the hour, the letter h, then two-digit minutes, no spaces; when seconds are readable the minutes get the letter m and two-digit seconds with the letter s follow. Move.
5h28
